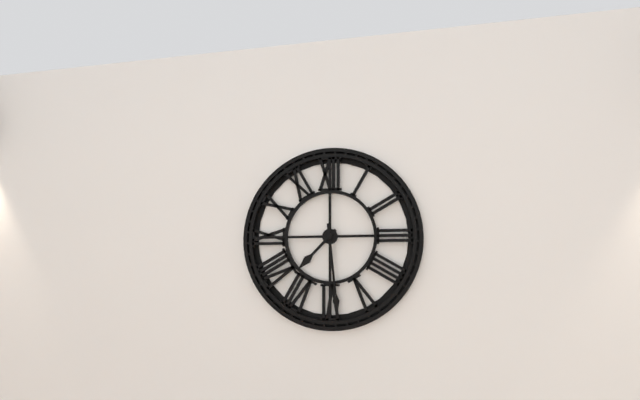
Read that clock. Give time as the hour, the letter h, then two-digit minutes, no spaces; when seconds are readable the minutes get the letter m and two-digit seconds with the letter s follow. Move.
7h29
